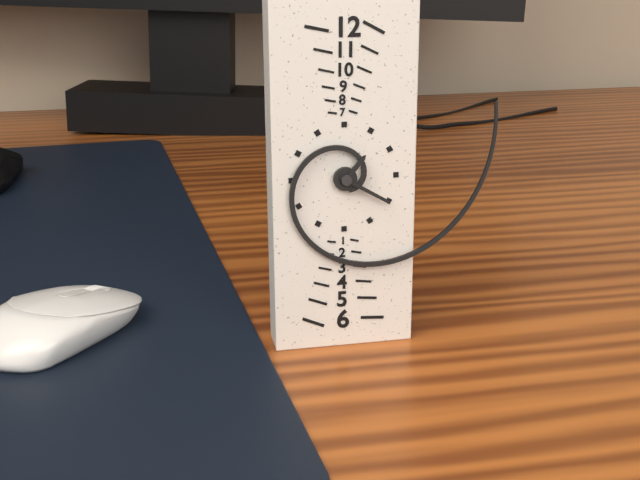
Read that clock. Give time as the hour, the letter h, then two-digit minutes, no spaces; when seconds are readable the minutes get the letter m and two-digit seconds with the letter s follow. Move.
1h20
